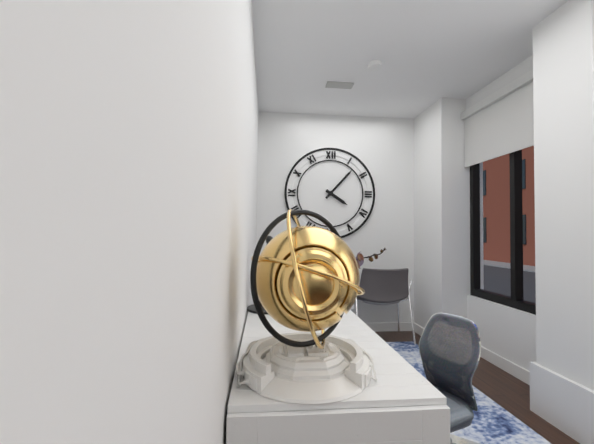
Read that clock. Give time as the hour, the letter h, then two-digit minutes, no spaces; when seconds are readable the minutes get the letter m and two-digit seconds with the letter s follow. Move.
4h07
